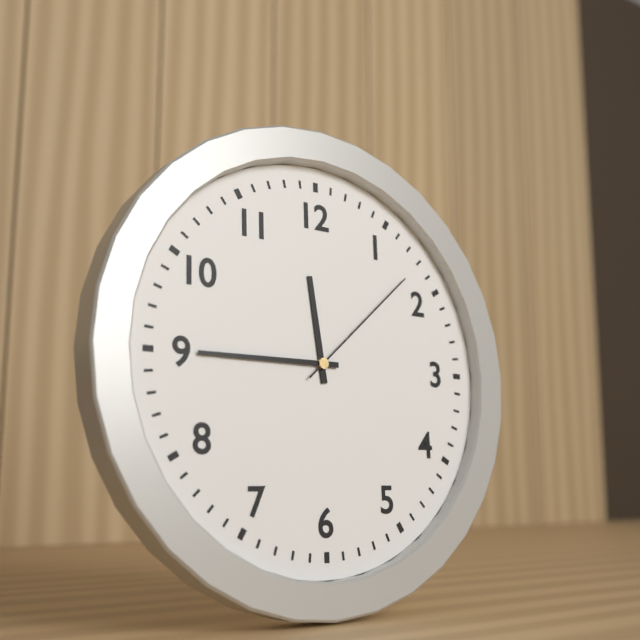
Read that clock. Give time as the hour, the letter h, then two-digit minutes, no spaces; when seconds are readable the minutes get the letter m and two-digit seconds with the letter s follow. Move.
11h45m08s
